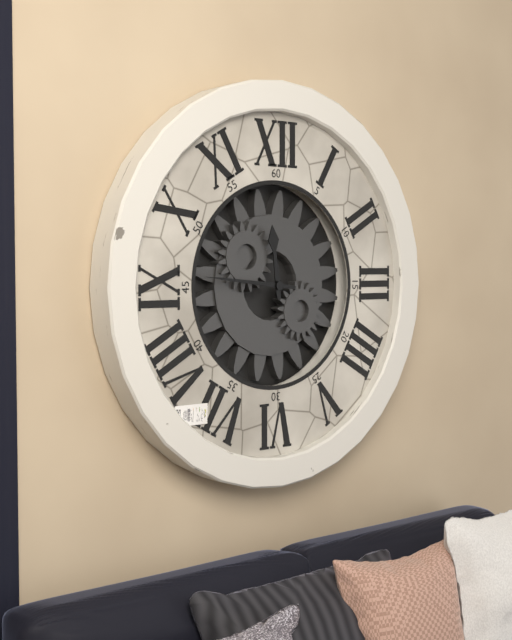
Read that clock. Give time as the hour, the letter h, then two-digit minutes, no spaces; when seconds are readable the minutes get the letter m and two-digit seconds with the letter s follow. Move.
11h46
